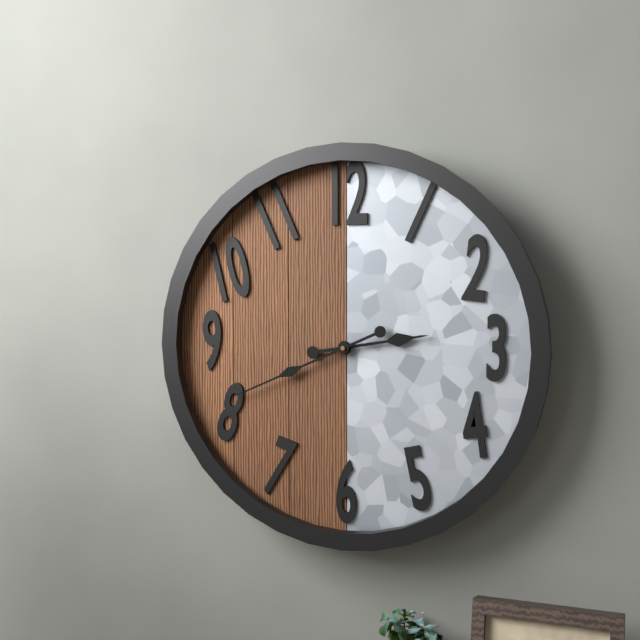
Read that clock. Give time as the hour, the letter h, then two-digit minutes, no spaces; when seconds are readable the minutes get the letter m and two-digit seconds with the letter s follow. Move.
2h41
